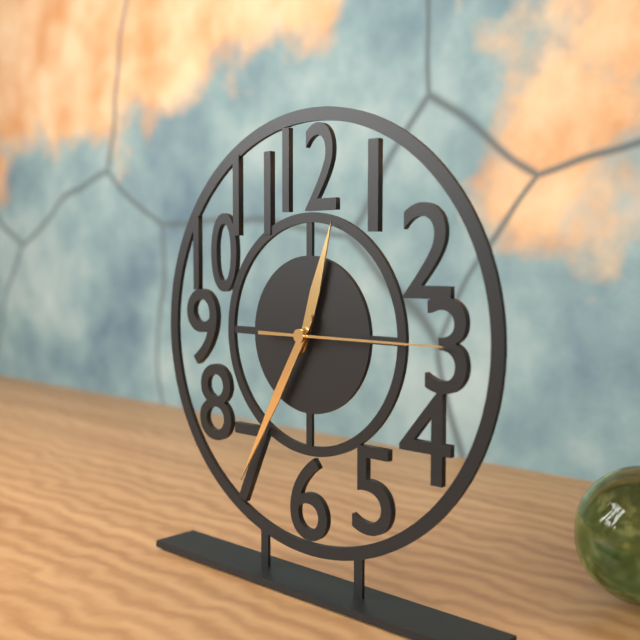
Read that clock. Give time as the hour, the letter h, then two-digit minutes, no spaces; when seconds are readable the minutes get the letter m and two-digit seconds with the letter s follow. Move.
12h35m15s
